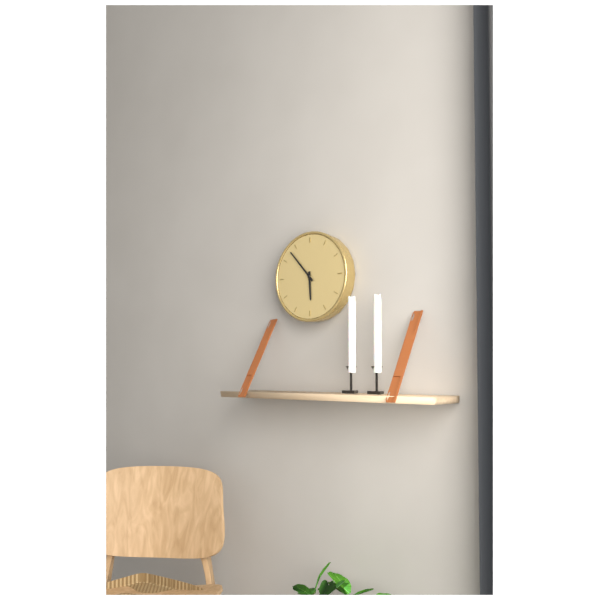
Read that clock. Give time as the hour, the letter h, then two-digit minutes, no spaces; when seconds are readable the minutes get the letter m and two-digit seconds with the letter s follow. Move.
5h53
